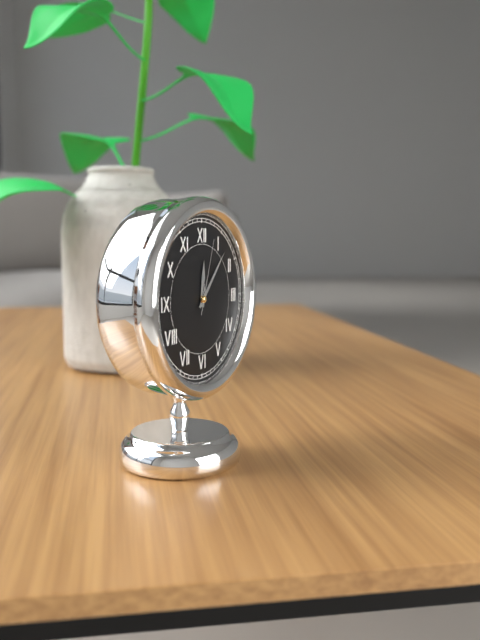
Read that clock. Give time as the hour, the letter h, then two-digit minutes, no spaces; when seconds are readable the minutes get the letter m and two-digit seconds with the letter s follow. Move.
12h07m03s
